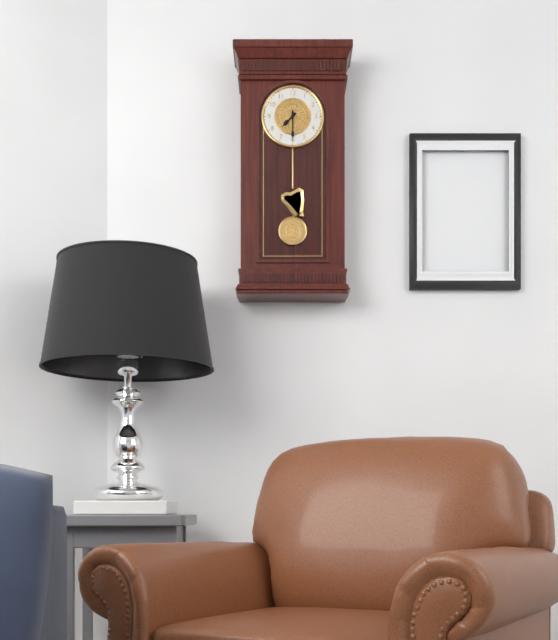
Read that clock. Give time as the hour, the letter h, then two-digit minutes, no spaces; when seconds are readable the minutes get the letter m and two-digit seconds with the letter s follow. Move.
7h30
